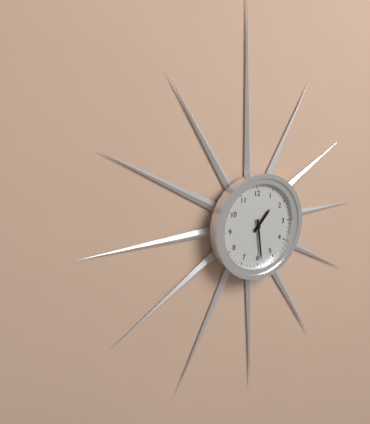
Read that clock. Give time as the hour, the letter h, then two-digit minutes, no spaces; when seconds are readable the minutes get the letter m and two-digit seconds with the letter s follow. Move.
1h29
